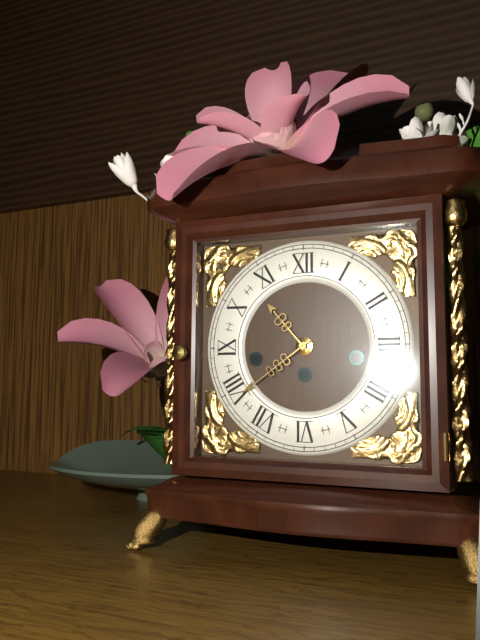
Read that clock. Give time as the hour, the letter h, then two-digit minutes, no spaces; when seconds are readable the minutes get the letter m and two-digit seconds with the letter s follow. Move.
10h39
